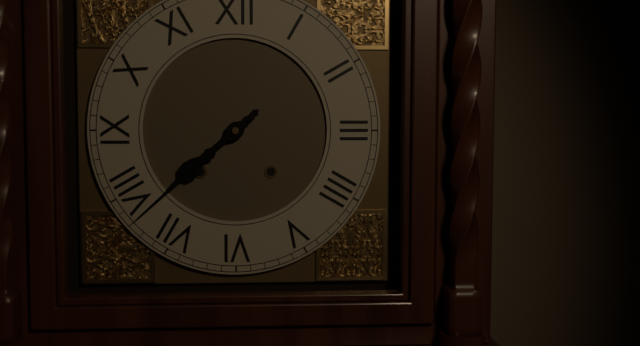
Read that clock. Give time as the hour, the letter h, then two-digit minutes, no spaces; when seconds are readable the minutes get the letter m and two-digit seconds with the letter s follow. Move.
7h38
